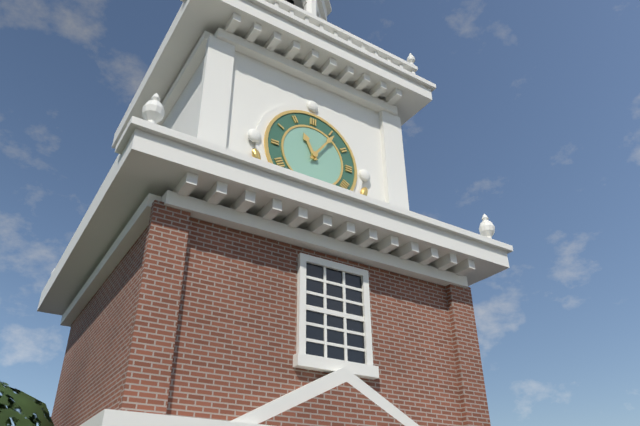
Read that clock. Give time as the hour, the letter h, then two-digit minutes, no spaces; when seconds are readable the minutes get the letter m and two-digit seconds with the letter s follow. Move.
11h06
